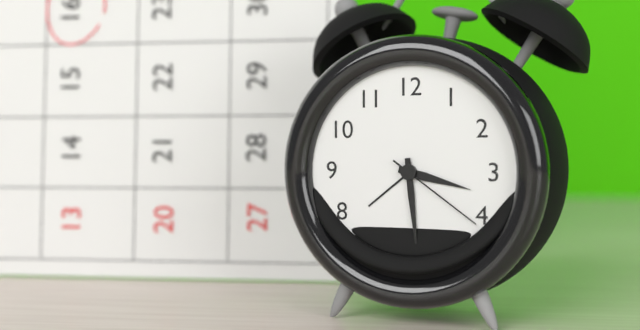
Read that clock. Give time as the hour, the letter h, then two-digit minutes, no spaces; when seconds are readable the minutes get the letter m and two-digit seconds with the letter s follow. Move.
3h29m21s
